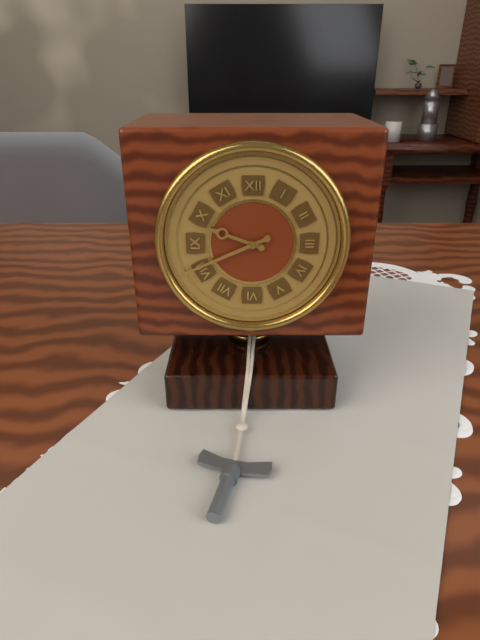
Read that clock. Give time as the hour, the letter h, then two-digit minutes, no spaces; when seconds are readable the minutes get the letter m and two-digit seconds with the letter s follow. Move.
9h41
